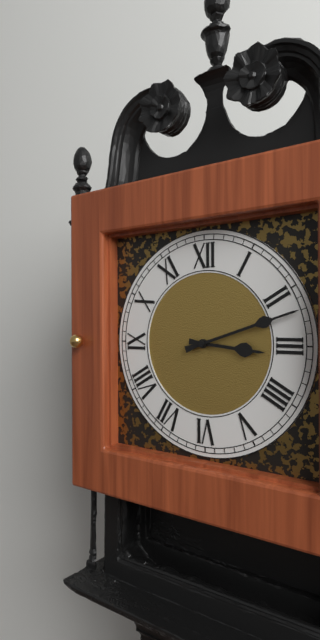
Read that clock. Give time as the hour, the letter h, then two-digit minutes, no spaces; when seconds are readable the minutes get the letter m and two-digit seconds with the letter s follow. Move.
3h12
